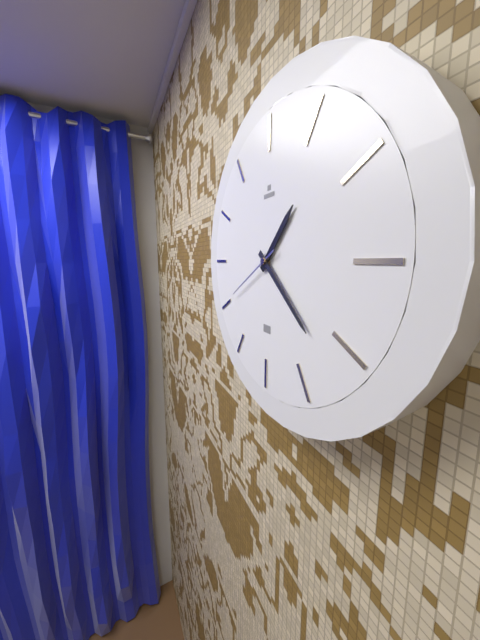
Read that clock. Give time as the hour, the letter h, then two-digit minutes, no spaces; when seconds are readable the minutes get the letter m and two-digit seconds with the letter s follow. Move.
1h22m40s
